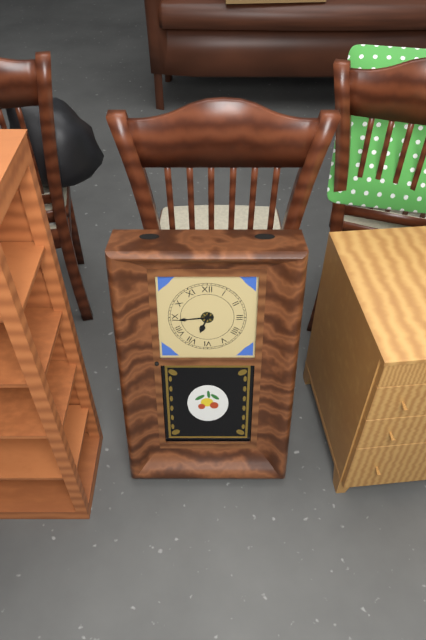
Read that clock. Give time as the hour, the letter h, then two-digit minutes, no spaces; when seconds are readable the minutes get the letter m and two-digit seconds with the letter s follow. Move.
6h44
